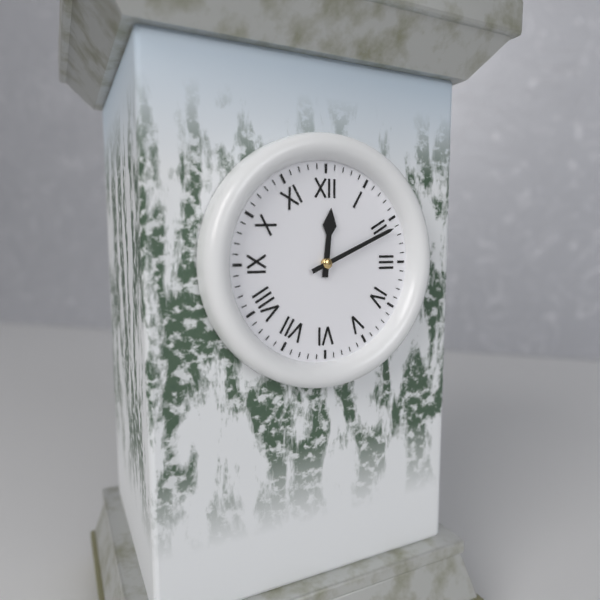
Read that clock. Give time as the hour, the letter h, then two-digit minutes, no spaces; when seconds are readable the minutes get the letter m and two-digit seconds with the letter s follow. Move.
12h11
